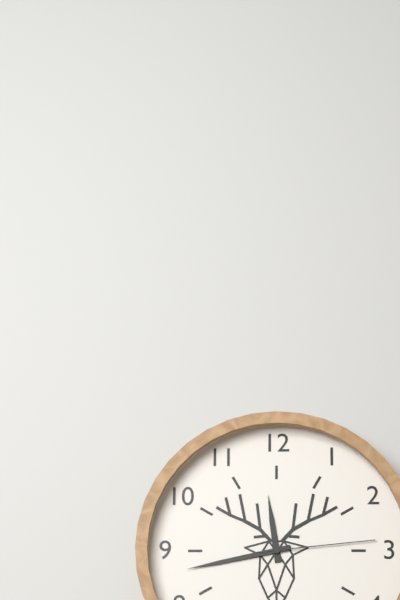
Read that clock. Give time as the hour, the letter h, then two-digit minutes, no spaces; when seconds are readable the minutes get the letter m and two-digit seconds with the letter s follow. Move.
11h43m14s
